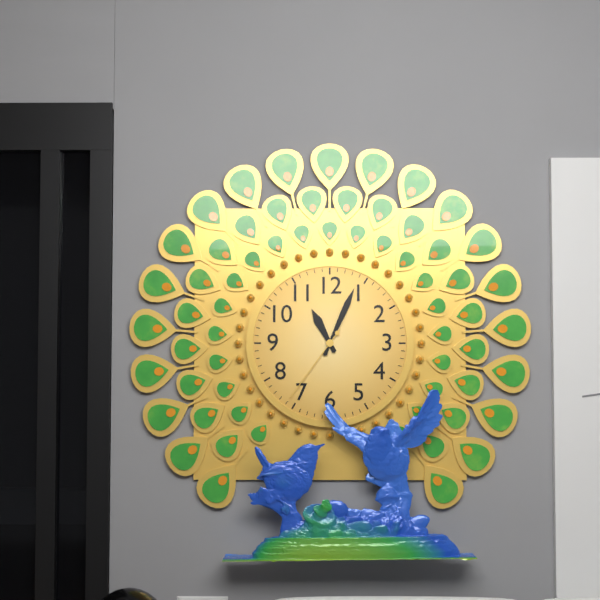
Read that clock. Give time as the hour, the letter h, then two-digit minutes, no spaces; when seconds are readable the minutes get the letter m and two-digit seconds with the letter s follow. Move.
11h04m36s
